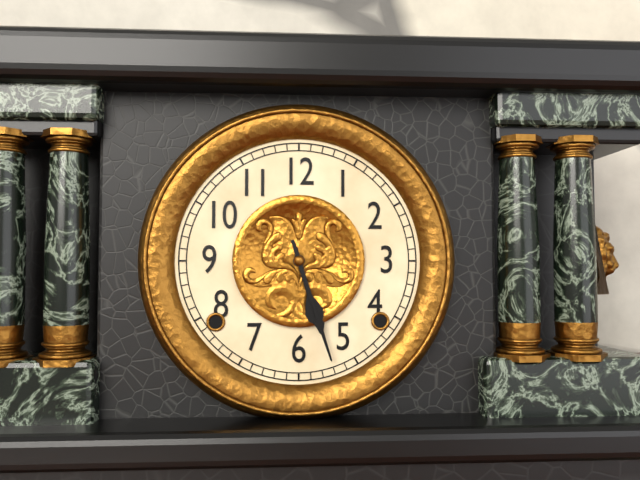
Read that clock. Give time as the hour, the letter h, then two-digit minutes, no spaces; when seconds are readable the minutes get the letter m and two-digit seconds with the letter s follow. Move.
5h27
